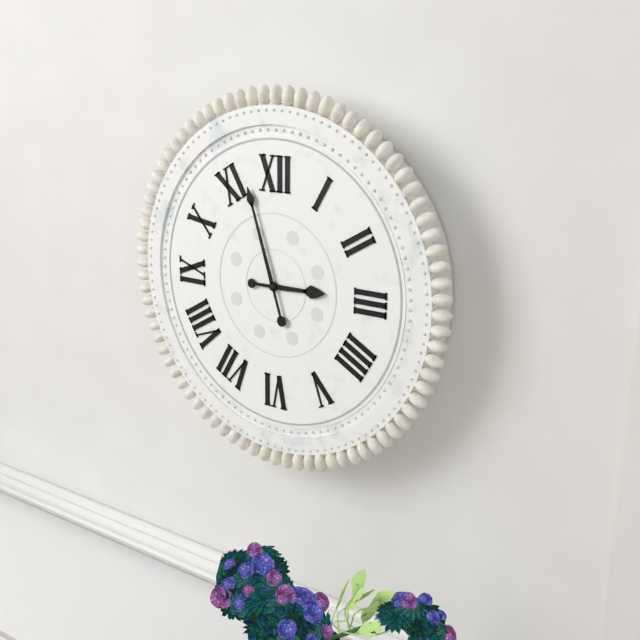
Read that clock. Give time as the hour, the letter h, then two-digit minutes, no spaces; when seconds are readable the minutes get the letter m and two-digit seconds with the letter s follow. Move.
2h57
